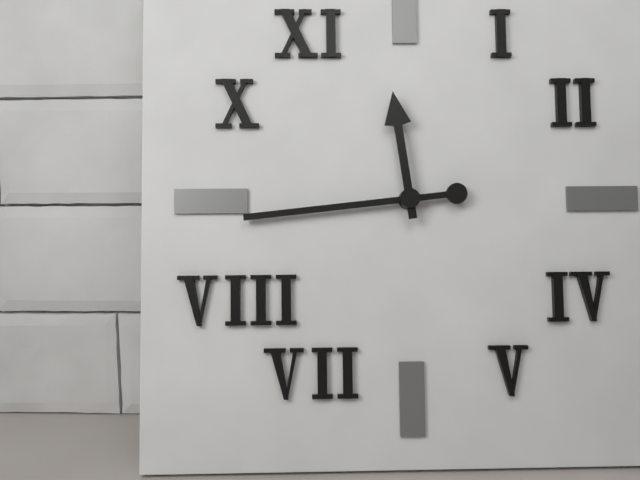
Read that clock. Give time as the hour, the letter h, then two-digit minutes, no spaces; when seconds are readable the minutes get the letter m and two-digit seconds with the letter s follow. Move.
11h44
